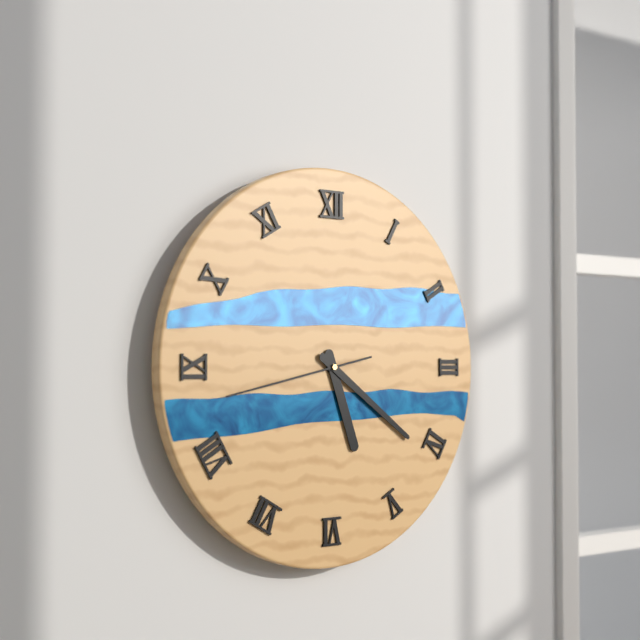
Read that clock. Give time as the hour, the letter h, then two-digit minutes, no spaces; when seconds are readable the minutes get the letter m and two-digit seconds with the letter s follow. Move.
5h21m43s
